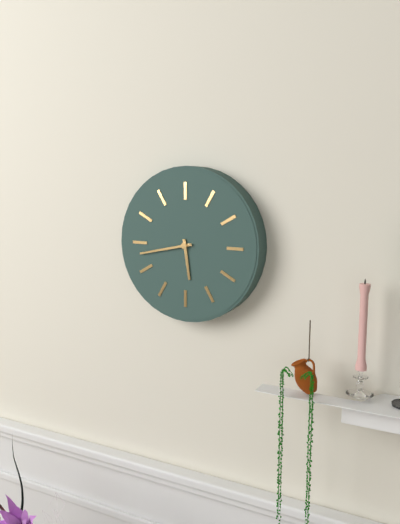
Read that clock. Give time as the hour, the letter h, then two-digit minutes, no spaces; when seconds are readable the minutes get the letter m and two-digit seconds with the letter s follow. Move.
5h43
